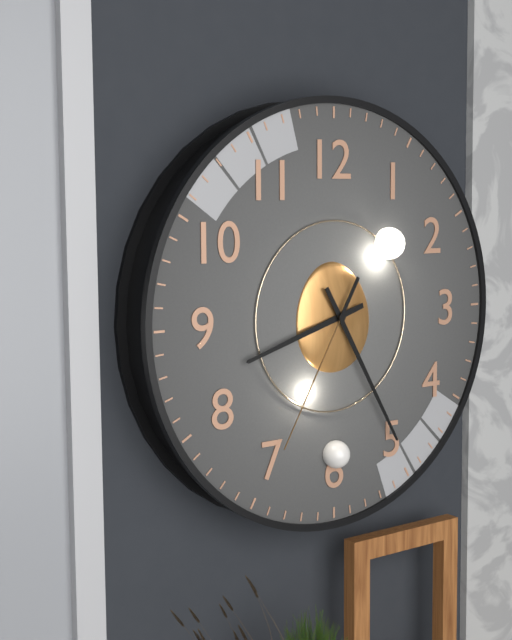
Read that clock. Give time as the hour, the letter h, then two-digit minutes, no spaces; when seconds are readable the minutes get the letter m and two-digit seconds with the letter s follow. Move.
8h25m35s
